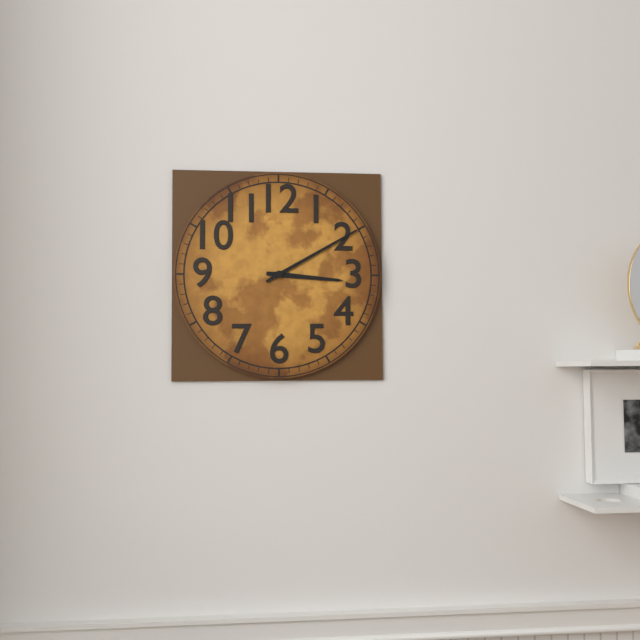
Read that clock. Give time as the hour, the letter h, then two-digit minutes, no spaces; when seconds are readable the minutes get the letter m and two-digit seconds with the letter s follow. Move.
3h10
